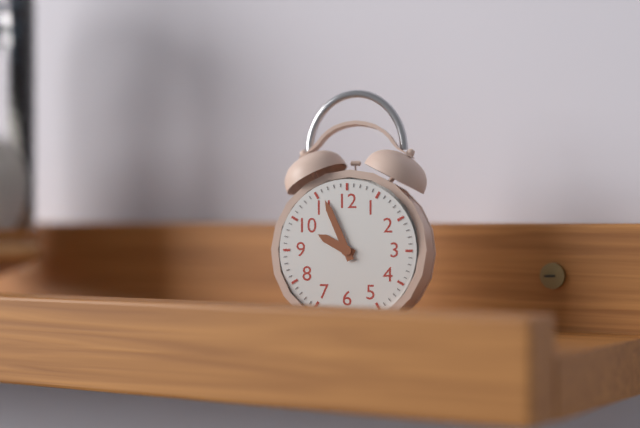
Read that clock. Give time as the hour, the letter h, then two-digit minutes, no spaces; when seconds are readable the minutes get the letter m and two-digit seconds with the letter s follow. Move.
9h56
